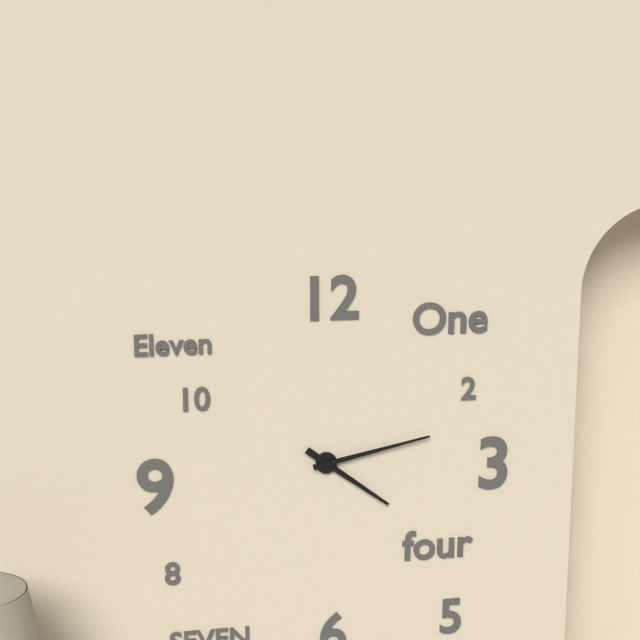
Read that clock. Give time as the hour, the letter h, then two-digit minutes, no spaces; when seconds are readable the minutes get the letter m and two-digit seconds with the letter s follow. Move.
4h13
